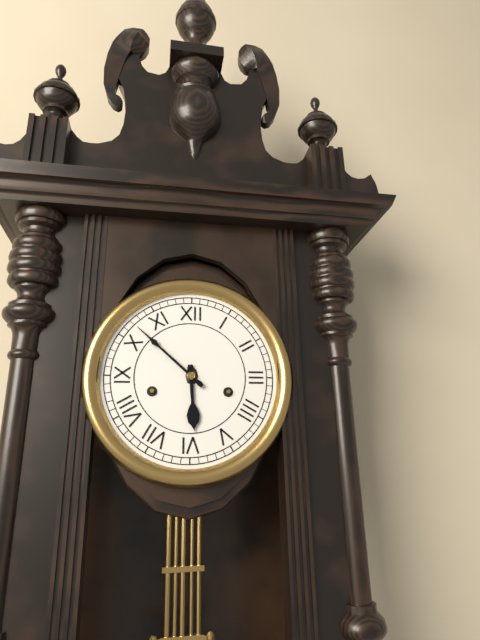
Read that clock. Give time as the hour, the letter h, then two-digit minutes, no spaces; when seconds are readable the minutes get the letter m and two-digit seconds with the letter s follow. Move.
5h52
